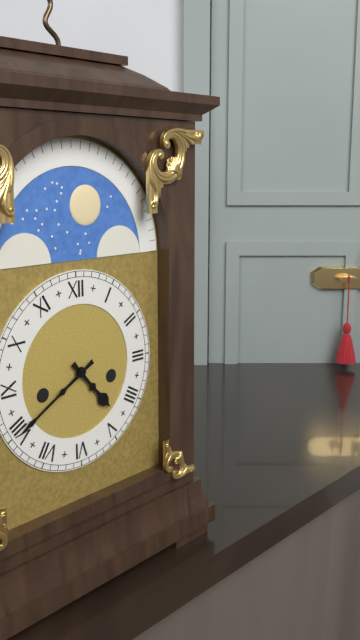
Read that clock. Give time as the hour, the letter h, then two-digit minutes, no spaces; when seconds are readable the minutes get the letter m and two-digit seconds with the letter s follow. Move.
4h40
